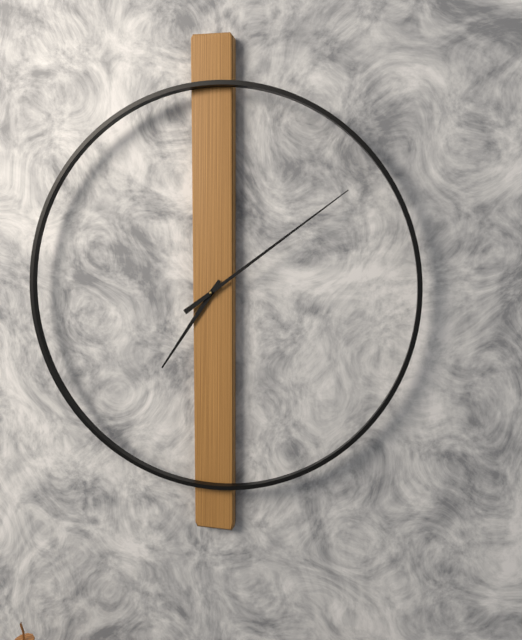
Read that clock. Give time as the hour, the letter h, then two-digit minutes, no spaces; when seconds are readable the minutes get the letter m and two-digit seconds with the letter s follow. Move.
7h09
